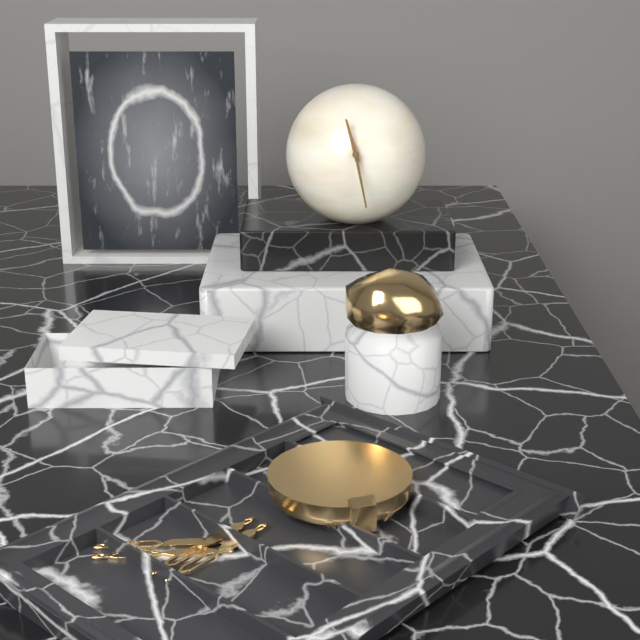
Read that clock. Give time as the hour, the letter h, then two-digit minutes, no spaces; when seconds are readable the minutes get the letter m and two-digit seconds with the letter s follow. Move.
11h28
